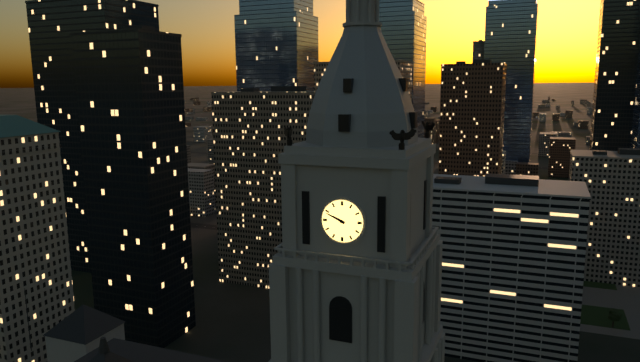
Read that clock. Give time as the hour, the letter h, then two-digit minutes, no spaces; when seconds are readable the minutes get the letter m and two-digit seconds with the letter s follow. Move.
9h49
